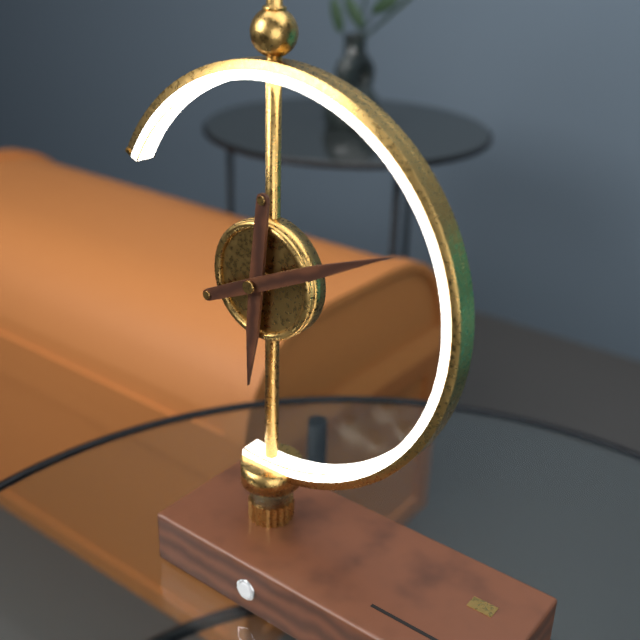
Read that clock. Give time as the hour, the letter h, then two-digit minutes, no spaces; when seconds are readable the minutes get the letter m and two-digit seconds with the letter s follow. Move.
6h11
